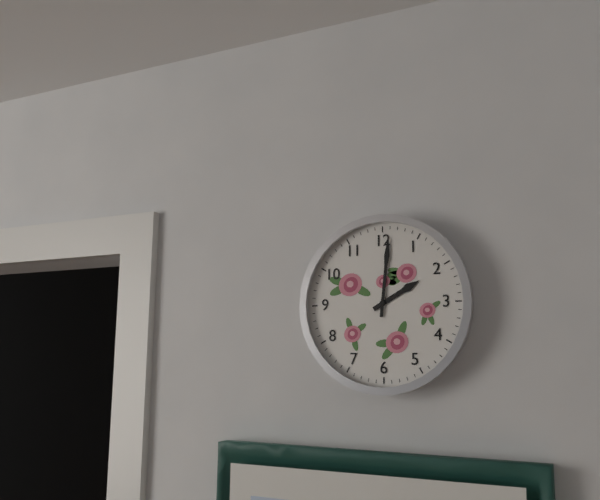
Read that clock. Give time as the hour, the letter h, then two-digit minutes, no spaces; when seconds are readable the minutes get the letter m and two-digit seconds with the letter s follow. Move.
2h01
